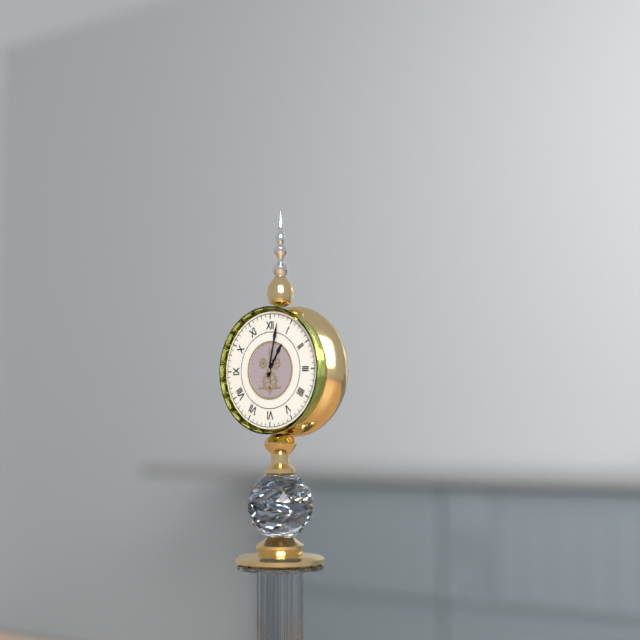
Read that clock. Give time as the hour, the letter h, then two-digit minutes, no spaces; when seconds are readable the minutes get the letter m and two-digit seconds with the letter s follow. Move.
1h02
